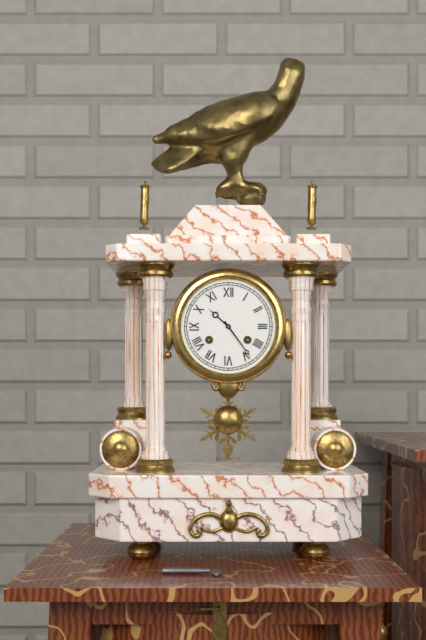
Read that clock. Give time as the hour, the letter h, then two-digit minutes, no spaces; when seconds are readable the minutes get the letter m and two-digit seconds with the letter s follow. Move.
10h24
